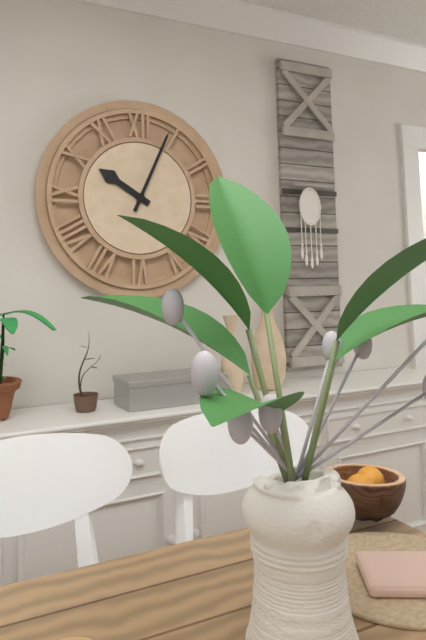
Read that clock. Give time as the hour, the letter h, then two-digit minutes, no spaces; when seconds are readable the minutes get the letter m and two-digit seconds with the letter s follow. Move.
10h04
